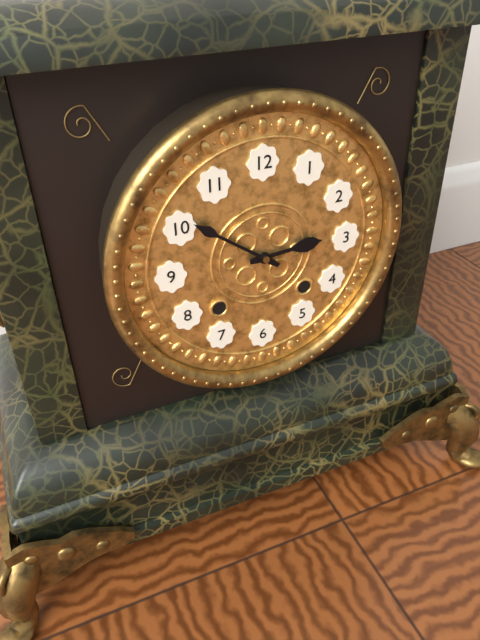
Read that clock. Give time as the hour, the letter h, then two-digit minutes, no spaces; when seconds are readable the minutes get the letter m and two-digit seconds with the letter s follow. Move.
2h51
